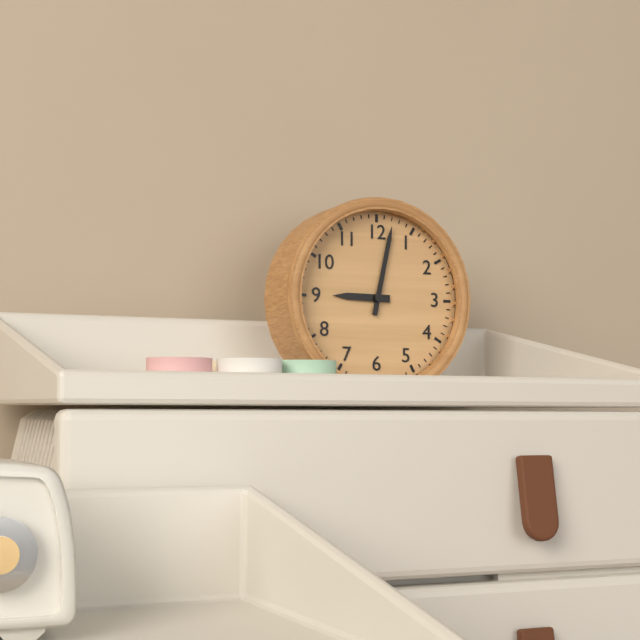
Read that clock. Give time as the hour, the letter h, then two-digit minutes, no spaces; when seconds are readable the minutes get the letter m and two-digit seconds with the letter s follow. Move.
9h02
